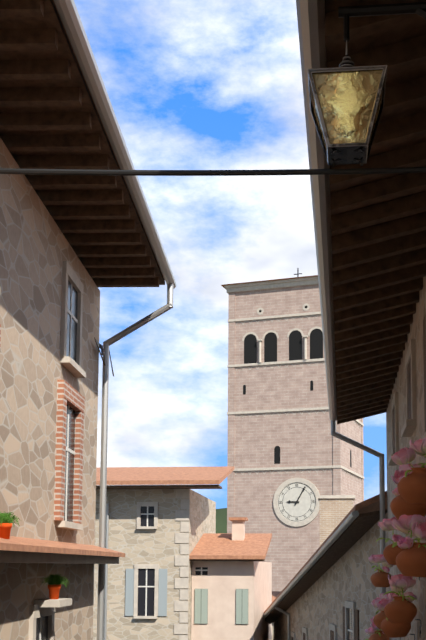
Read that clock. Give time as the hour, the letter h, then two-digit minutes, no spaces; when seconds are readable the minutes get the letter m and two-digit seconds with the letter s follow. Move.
9h05
